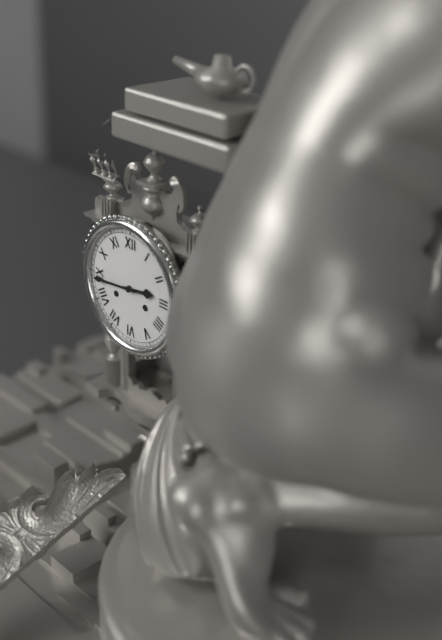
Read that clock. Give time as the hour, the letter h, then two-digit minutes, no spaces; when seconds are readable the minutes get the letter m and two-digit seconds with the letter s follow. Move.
2h44
